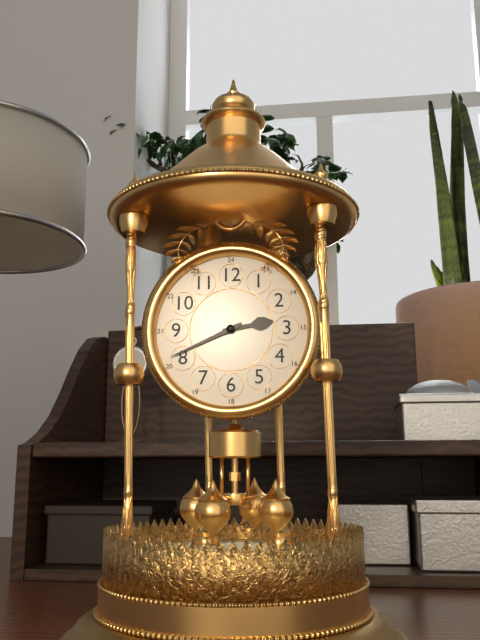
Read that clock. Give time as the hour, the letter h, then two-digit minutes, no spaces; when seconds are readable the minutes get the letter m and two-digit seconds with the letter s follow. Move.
2h41
